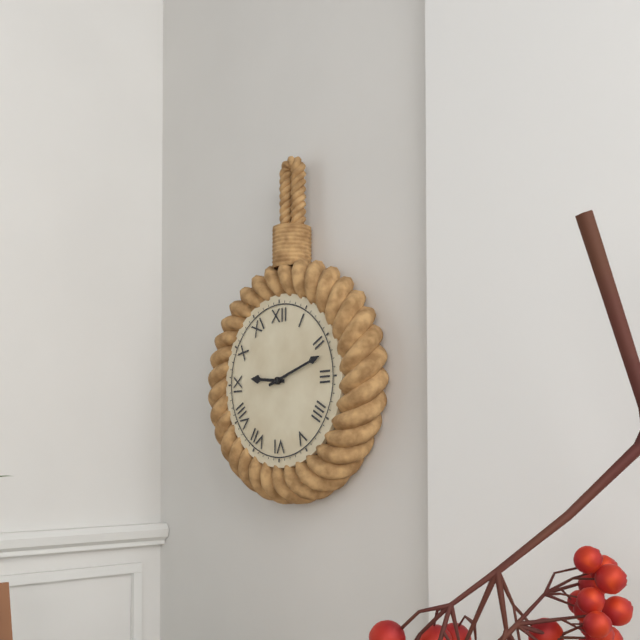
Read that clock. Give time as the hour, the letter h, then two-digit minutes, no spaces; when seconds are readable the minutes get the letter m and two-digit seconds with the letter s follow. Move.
9h12
